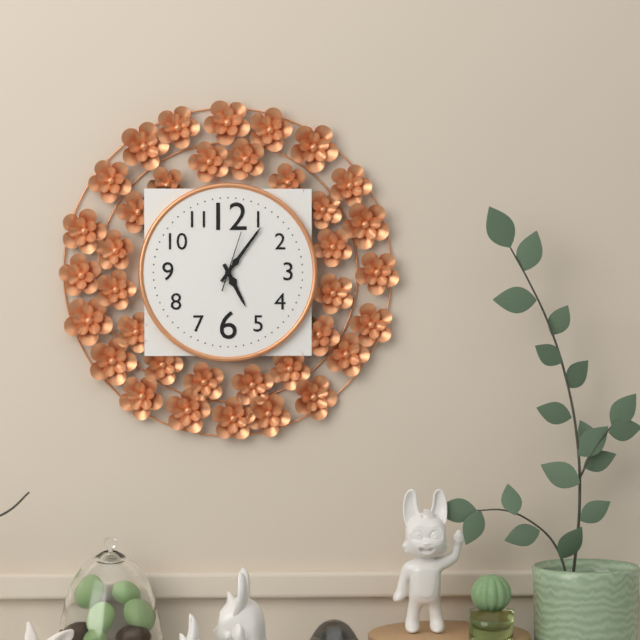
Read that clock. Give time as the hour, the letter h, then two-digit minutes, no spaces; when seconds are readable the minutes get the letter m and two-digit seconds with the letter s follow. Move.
5h06m03s
